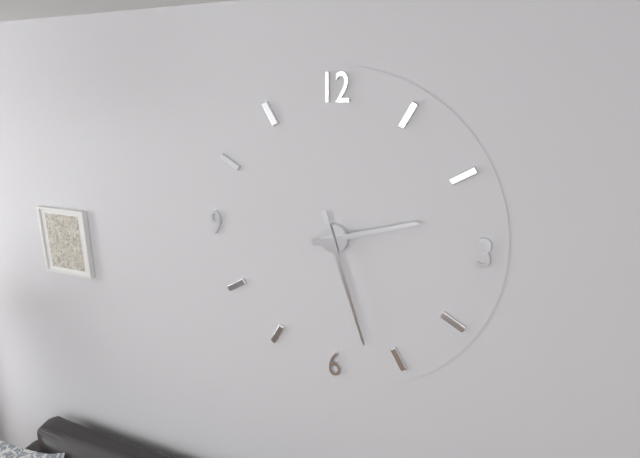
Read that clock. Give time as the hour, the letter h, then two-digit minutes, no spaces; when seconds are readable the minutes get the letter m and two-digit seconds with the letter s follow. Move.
2h27
